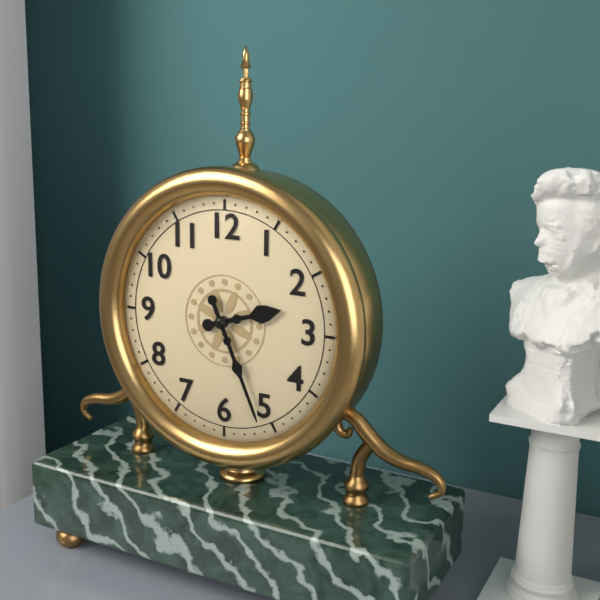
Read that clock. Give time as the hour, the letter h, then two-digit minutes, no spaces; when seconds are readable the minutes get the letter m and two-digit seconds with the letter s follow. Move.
2h26
